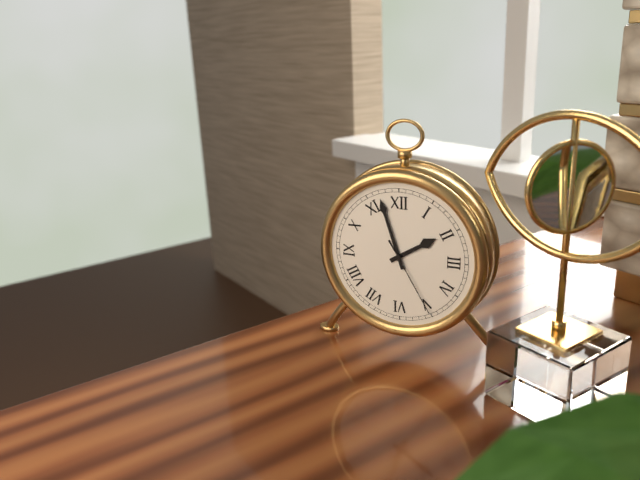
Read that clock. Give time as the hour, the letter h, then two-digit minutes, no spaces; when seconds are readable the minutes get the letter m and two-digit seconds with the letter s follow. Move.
1h57m25s
